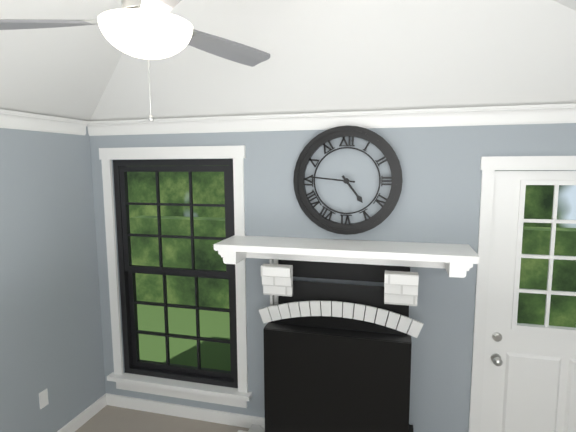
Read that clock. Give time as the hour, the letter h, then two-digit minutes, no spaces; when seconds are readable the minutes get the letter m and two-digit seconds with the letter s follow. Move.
4h46
